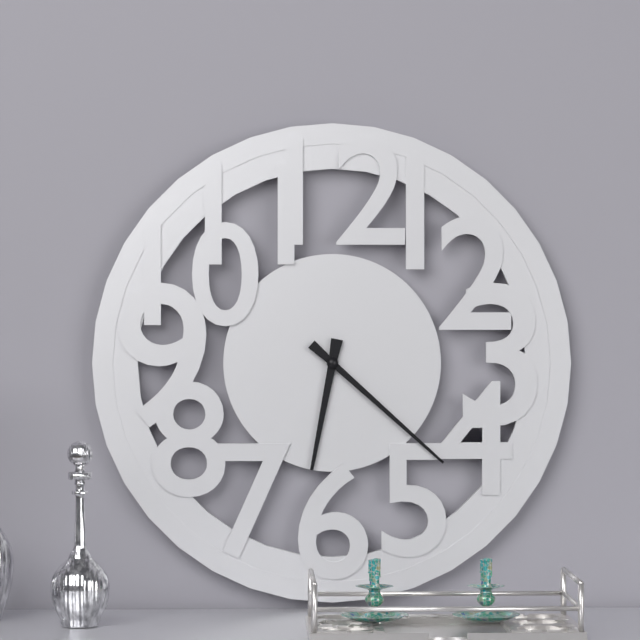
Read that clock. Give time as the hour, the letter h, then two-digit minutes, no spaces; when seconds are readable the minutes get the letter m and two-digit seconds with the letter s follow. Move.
6h22
